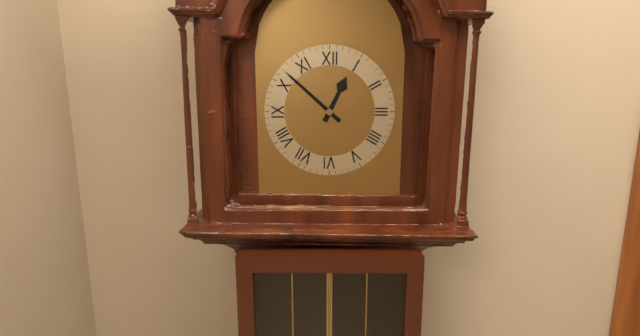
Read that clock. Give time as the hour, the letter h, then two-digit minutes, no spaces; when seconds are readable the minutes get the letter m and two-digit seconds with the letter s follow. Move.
12h52
